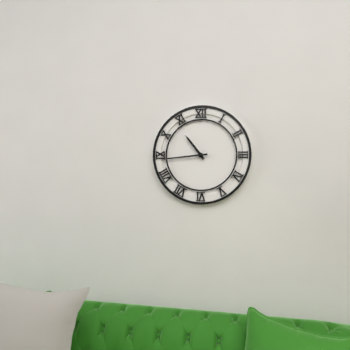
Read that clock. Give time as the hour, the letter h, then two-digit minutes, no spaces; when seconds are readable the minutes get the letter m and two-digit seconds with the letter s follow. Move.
10h44
